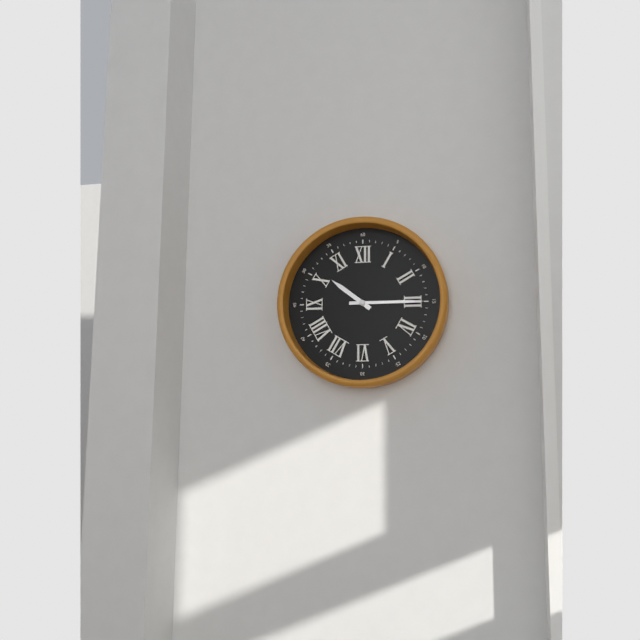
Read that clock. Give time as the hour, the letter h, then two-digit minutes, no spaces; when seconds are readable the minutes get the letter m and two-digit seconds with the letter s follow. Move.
10h15
